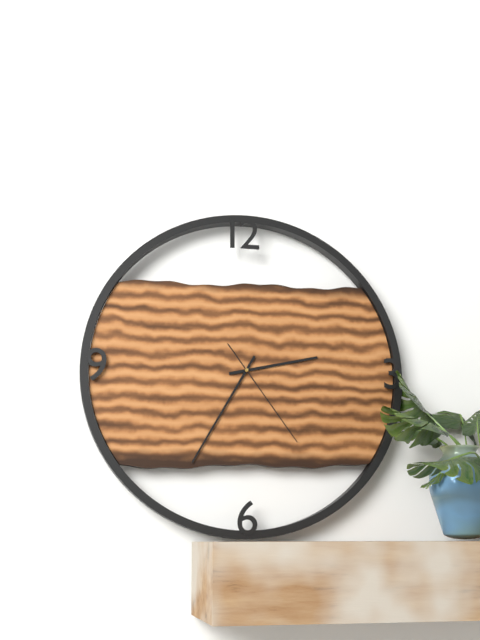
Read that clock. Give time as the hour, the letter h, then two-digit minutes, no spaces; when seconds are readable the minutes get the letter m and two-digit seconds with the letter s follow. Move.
2h35m24s
